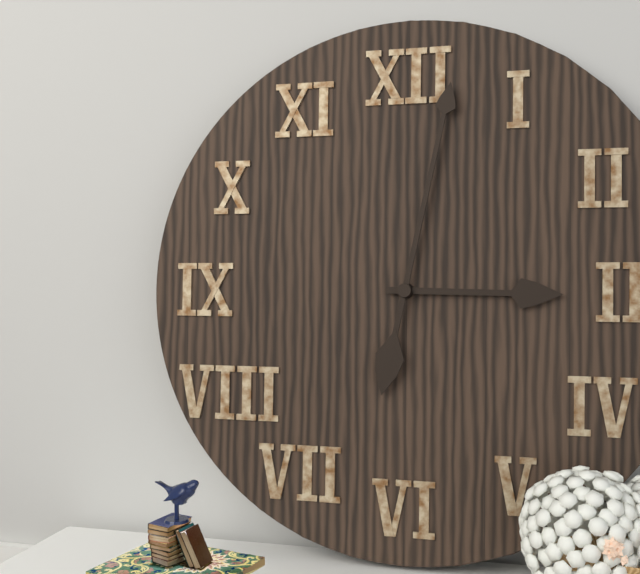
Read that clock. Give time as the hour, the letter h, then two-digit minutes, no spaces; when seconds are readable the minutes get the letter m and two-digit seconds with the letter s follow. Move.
3h02
